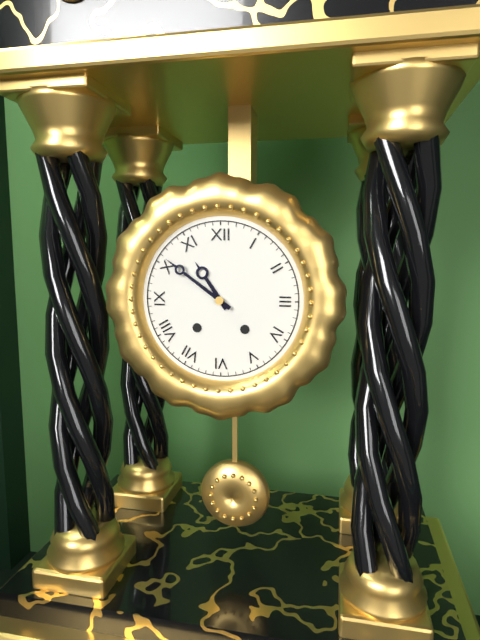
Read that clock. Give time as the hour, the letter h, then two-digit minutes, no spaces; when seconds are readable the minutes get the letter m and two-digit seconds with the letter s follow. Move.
10h51
